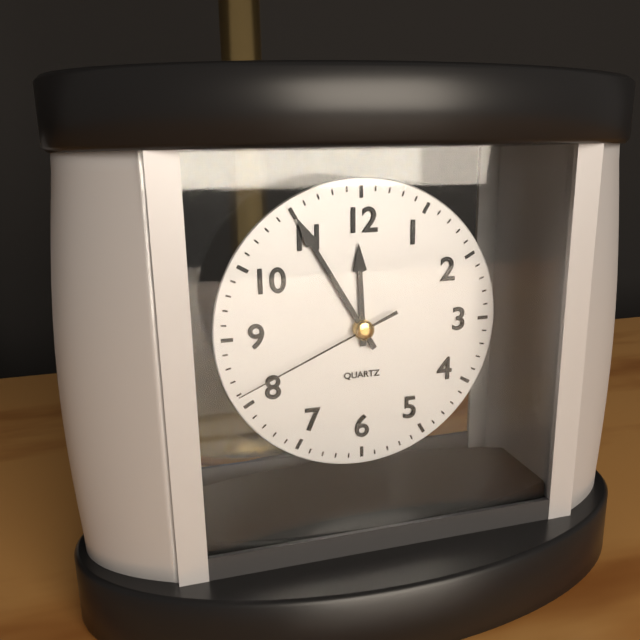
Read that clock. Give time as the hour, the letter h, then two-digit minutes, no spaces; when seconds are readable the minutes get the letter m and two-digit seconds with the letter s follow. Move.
11h55m41s
